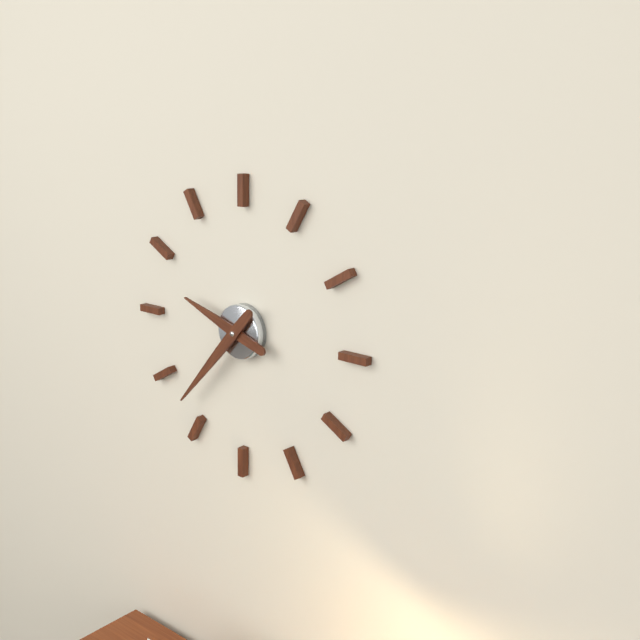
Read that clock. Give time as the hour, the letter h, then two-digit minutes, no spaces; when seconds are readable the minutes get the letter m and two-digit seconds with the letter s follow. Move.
9h37
